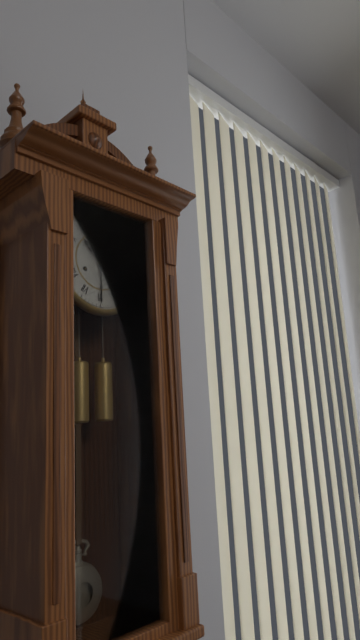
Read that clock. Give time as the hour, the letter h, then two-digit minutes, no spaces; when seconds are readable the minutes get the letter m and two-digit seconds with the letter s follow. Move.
10h30
